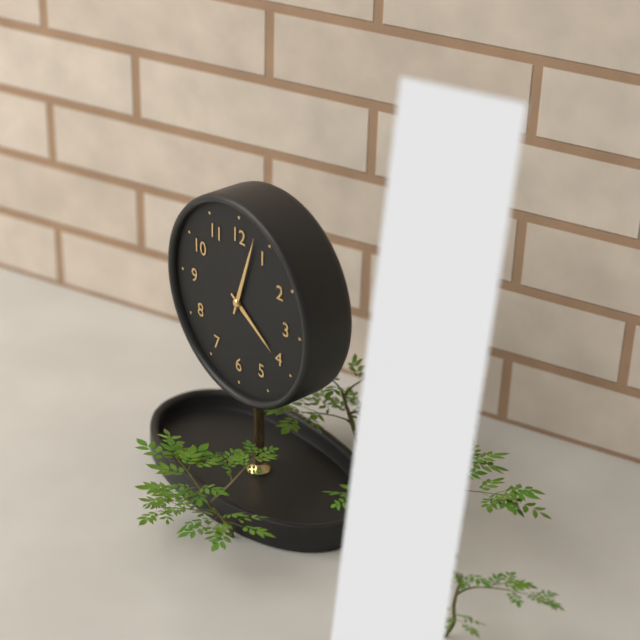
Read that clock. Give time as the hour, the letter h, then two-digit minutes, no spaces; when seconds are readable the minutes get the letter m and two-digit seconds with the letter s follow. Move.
4h03
